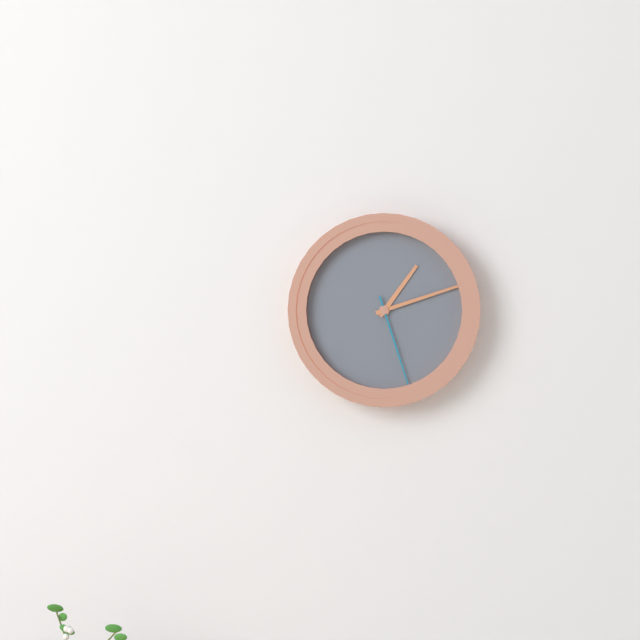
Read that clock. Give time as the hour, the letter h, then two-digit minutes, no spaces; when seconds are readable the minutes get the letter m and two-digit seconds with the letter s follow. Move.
1h12m27s
